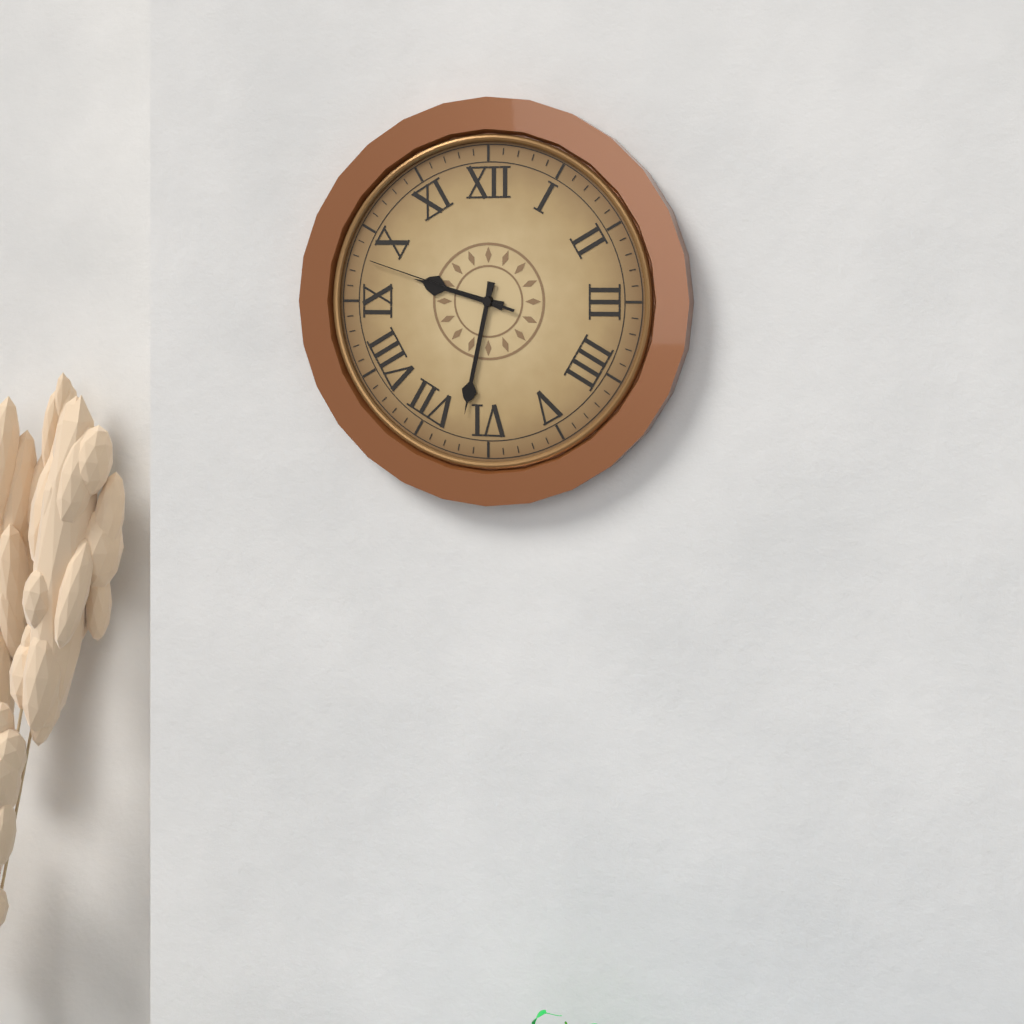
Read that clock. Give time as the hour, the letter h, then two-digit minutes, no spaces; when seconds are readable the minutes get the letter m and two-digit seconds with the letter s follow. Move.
9h32m48s
